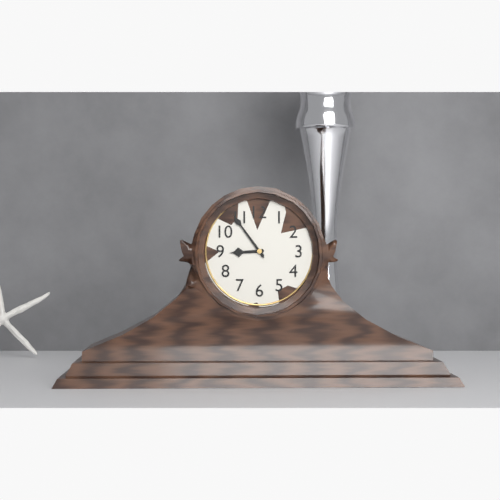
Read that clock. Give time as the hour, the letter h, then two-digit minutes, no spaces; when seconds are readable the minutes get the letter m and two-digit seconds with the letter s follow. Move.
8h54
